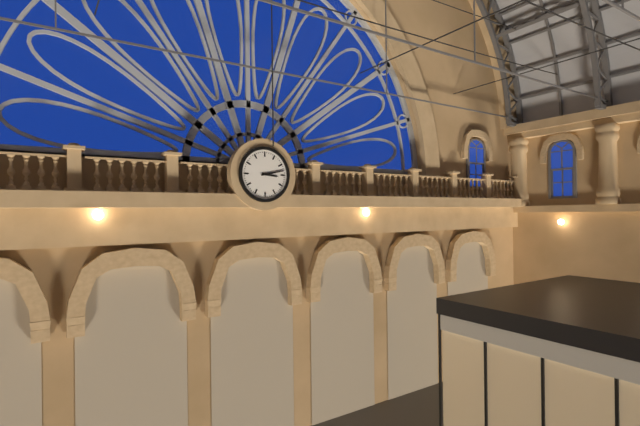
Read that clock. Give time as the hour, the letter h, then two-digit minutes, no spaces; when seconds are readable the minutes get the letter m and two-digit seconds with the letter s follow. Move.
3h13
